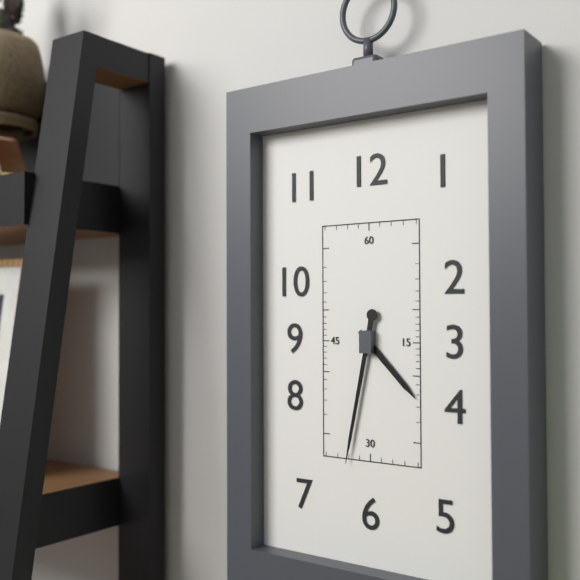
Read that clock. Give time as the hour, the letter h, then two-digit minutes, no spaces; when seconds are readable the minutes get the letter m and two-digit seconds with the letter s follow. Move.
4h32
